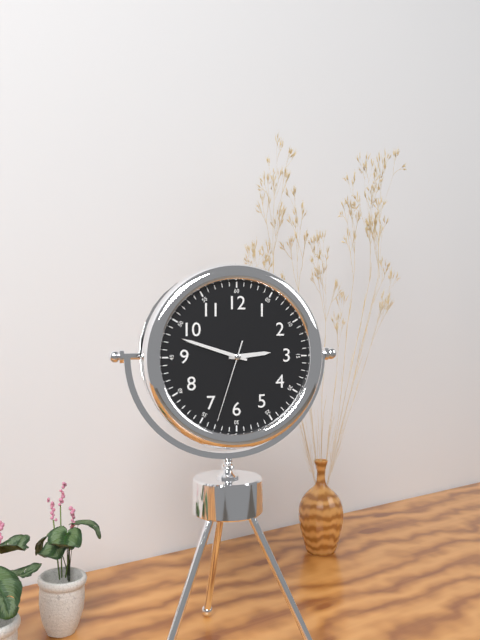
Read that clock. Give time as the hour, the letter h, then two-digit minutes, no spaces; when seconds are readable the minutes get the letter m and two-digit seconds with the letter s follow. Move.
2h48m33s
